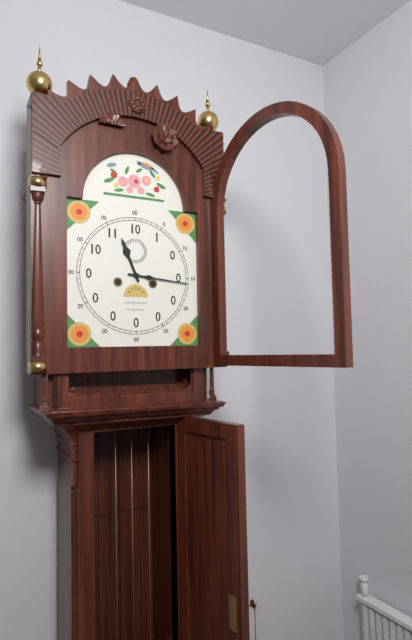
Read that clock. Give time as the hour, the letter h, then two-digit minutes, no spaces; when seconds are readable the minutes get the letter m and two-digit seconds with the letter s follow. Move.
11h16
